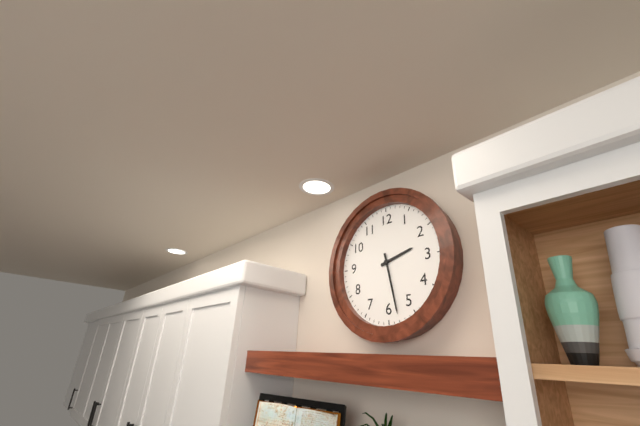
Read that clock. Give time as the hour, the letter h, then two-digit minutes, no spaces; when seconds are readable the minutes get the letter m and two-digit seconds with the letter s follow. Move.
2h28
